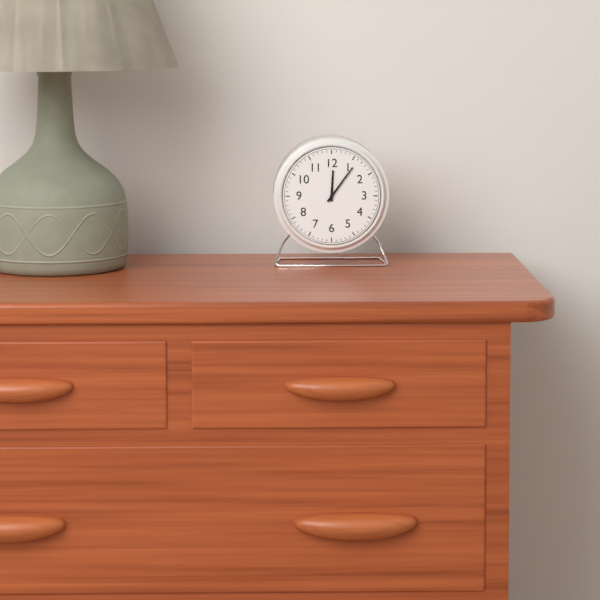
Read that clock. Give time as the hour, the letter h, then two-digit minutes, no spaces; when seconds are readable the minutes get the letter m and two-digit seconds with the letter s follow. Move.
12h06
